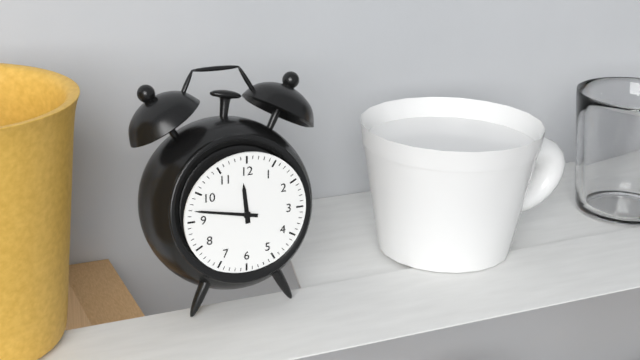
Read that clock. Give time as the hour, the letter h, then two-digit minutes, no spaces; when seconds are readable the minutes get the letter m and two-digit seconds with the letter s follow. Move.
11h47
